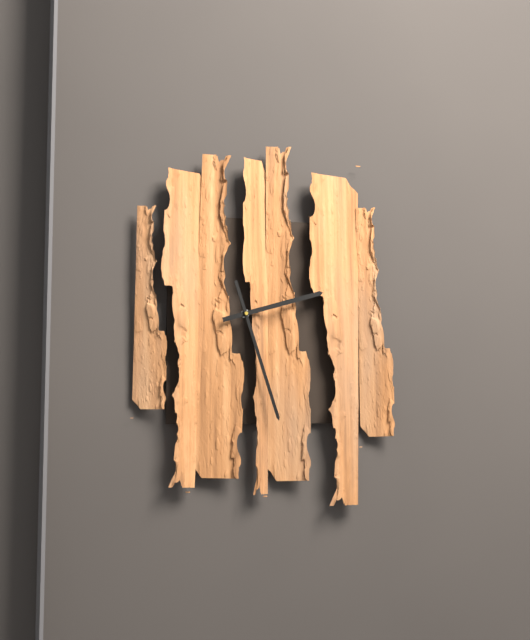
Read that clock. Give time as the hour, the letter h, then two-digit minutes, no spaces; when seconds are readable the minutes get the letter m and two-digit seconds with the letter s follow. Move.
2h27
